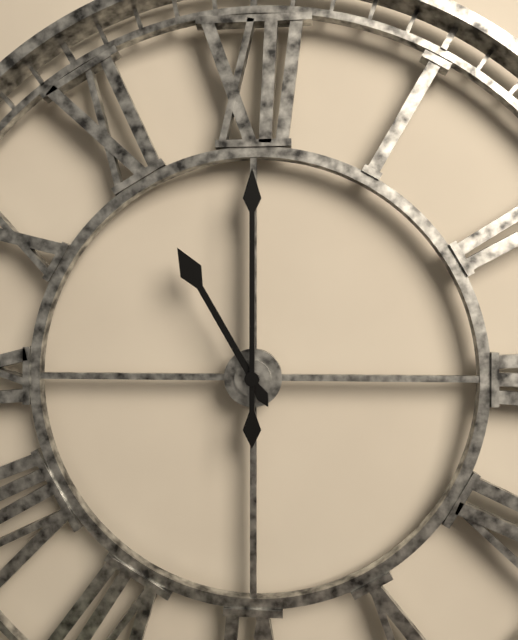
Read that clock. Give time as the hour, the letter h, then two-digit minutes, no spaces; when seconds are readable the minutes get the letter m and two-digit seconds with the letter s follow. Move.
11h00
